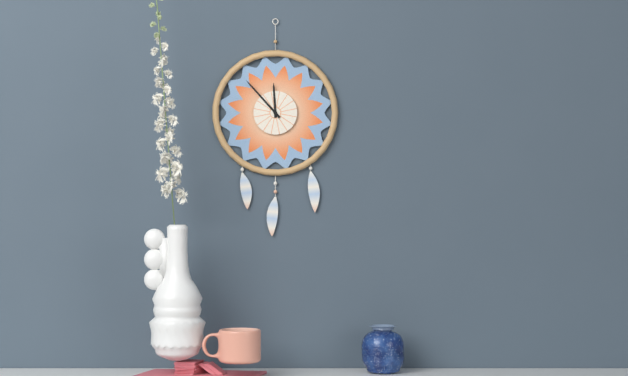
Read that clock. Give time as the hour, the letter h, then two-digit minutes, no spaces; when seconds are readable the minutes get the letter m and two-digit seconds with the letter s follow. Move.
11h53
